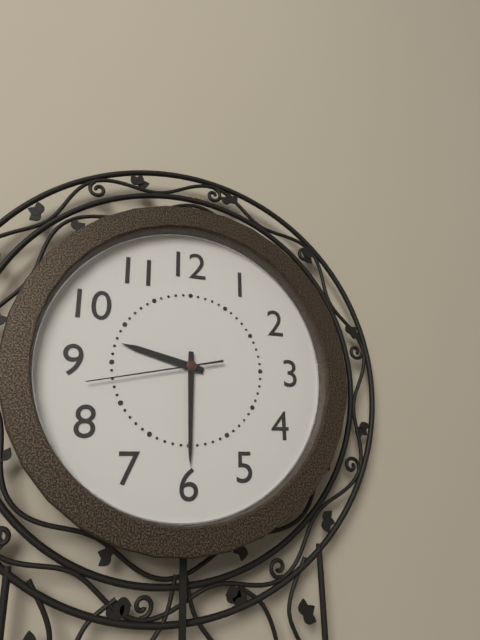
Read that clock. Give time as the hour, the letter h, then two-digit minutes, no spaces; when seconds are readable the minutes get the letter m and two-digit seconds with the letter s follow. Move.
9h30m43s
